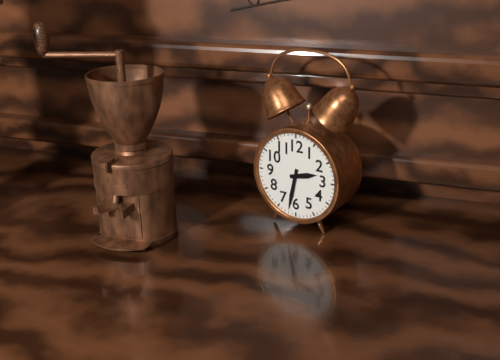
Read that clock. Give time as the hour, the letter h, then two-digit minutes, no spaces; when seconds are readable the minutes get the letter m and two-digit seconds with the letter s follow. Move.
2h32
